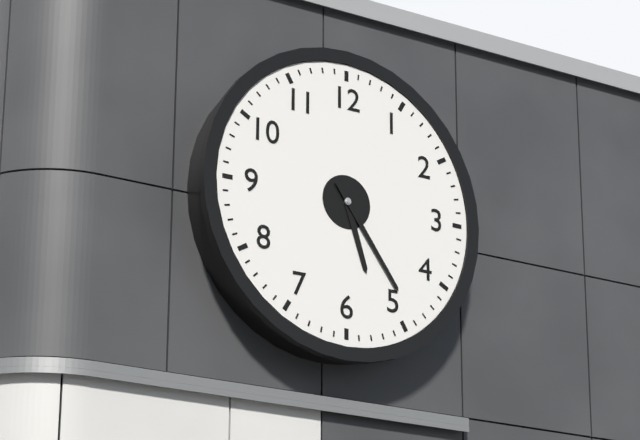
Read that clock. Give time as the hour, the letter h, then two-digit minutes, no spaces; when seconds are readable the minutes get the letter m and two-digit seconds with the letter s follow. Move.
5h24
